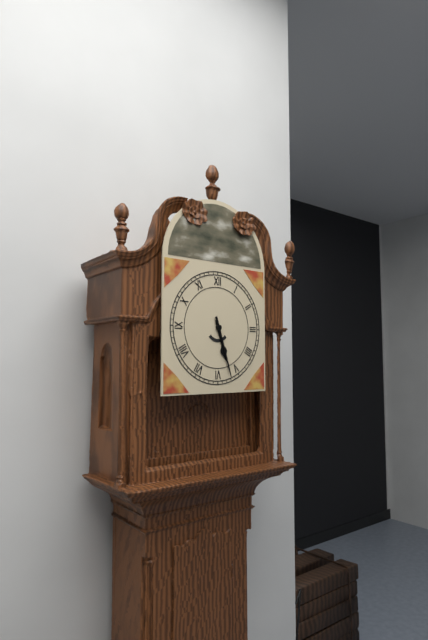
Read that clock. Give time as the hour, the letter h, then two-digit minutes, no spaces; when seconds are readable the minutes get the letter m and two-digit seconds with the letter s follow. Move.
5h27
